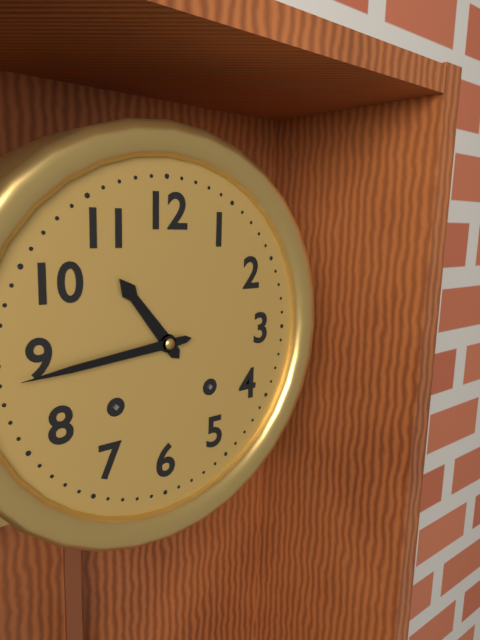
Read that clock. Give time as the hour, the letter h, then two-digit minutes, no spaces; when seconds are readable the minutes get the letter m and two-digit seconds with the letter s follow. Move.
10h44
